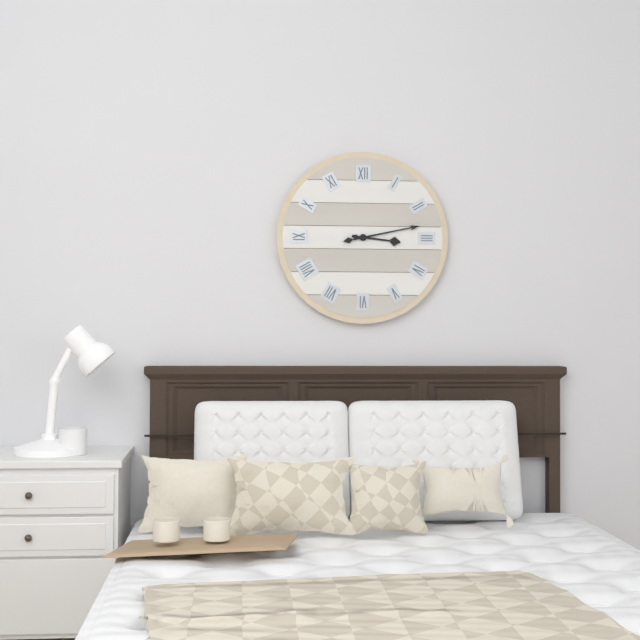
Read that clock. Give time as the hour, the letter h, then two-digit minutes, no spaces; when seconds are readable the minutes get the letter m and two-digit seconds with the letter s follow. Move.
3h13
